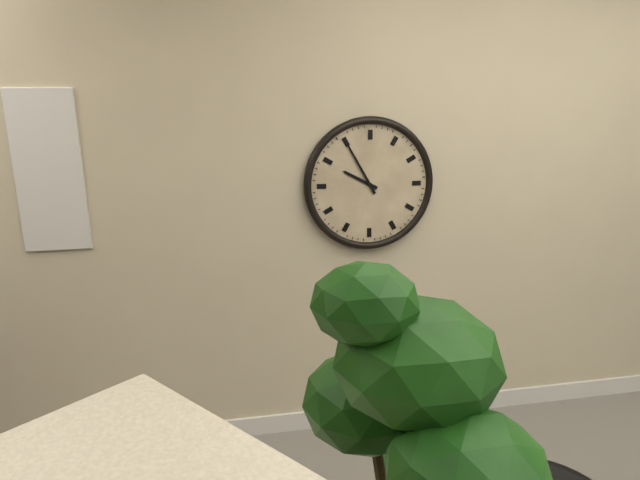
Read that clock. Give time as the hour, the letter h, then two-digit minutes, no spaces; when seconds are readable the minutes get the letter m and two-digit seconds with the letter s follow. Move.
9h55
